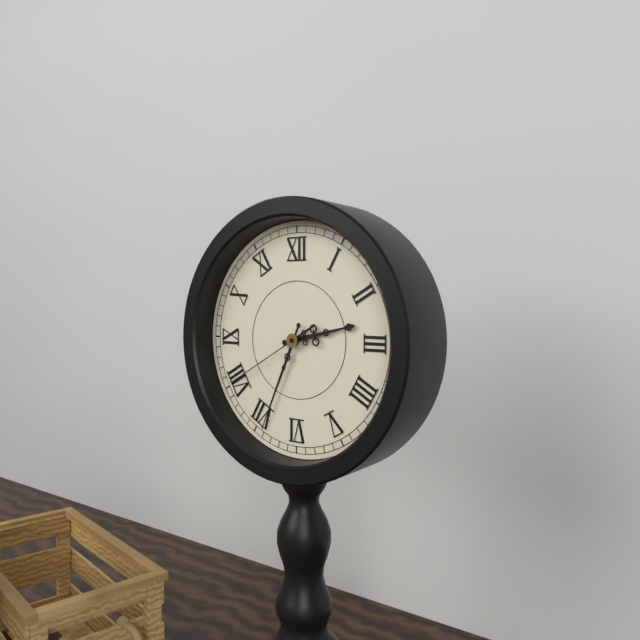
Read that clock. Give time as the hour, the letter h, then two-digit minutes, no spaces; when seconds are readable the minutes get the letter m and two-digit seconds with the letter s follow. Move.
2h34m40s
